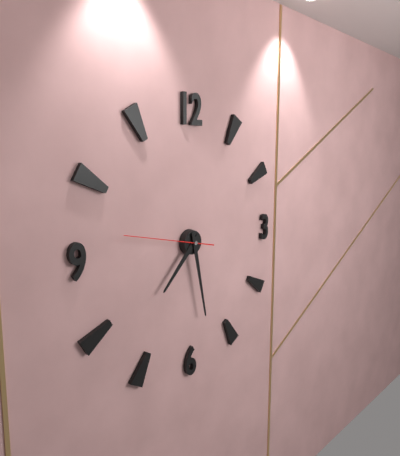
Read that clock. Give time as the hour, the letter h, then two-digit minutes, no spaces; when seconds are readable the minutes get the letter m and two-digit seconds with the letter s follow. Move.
7h28m47s
